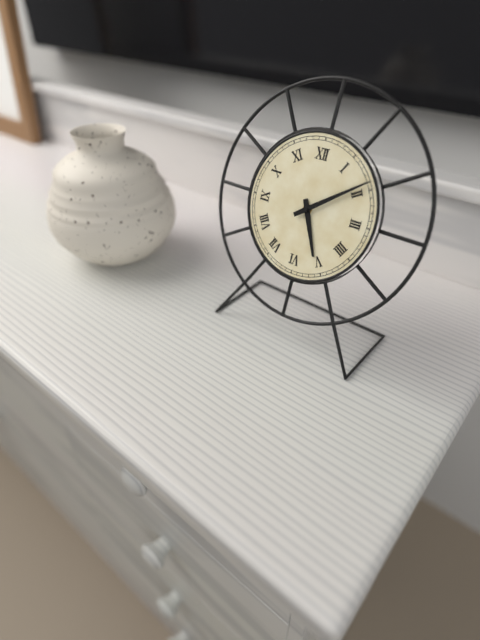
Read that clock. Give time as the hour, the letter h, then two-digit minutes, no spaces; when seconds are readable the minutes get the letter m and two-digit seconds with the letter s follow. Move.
5h09
